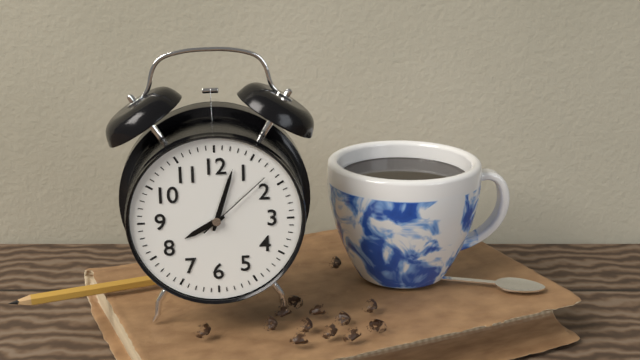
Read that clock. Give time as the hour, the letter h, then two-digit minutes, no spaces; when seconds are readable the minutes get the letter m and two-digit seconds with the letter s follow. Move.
8h03m08s
